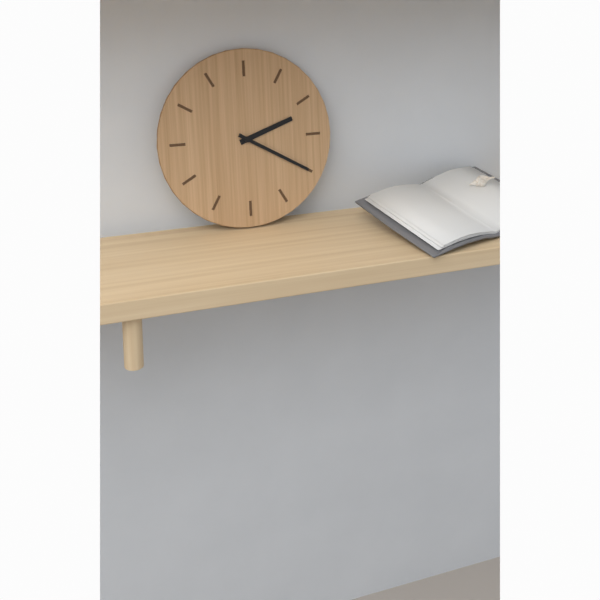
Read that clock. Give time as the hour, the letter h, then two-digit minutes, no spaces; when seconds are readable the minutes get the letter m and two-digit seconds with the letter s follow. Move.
2h20
